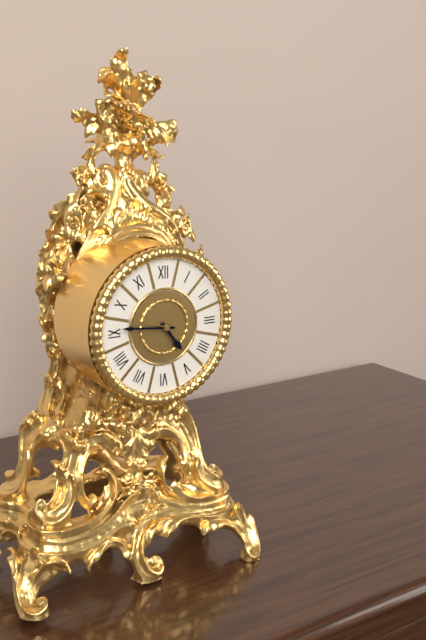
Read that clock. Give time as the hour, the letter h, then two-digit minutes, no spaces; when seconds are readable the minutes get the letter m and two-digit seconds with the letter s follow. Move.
4h46
